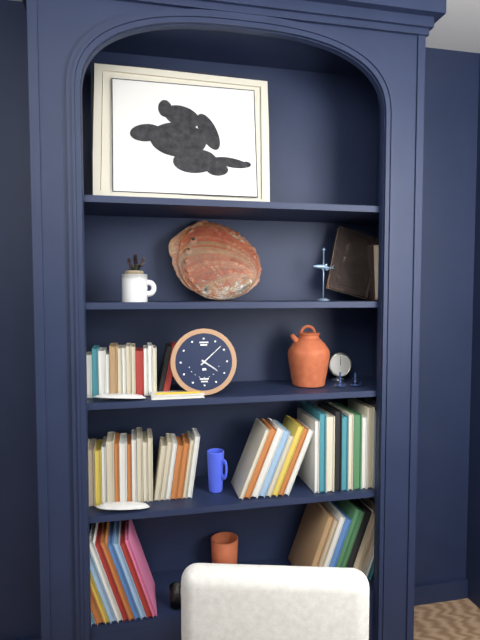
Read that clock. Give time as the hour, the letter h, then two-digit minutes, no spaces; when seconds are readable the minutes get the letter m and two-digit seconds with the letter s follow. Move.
4h08
